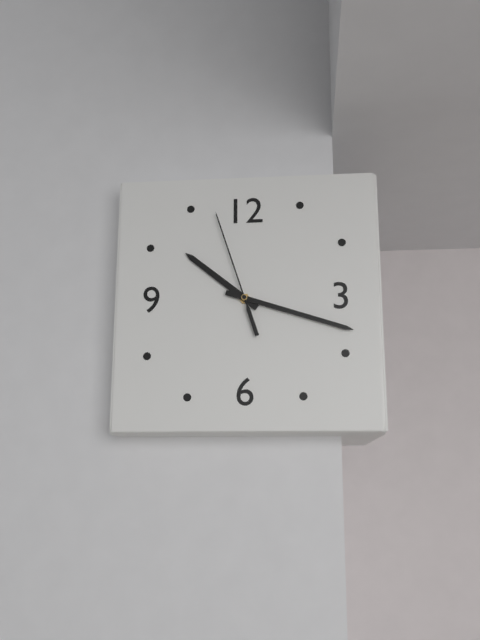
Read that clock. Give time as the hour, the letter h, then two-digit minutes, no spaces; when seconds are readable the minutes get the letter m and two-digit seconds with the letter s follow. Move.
10h18m57s
